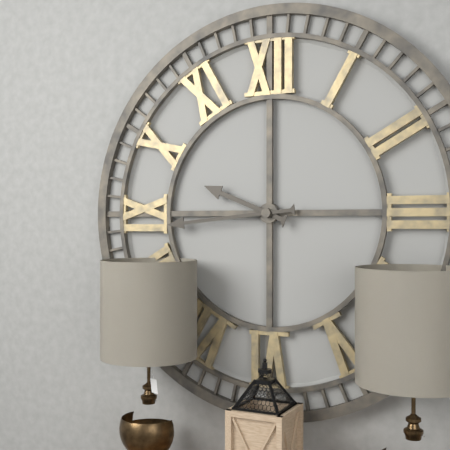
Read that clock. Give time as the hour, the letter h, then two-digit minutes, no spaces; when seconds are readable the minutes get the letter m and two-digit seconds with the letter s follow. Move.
9h44
